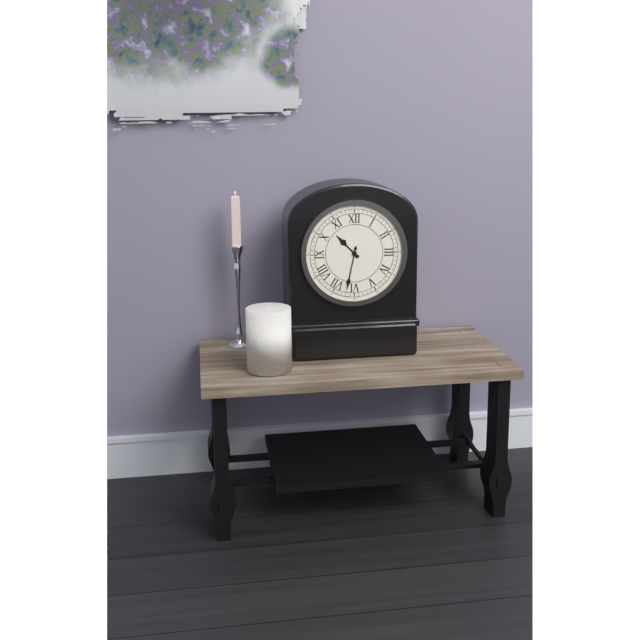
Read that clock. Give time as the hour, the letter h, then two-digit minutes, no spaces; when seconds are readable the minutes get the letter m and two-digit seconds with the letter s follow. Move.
10h32
